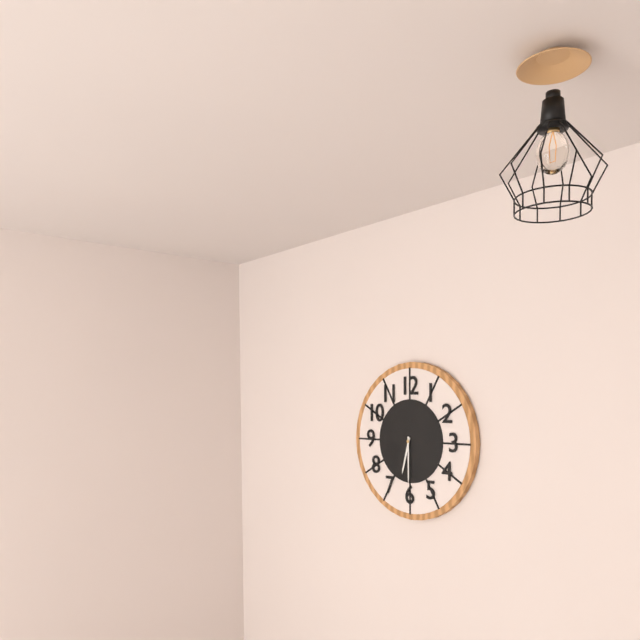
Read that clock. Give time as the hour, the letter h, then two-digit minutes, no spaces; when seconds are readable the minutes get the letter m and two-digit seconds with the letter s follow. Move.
6h30
